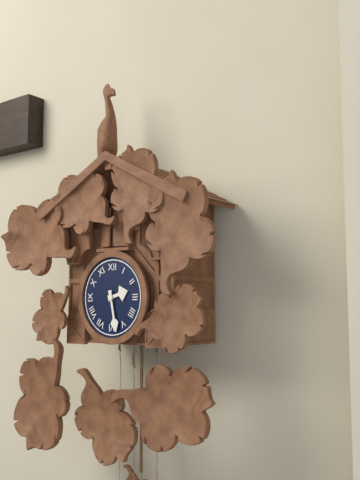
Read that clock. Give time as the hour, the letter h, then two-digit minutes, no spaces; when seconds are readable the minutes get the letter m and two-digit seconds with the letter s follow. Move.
2h28
